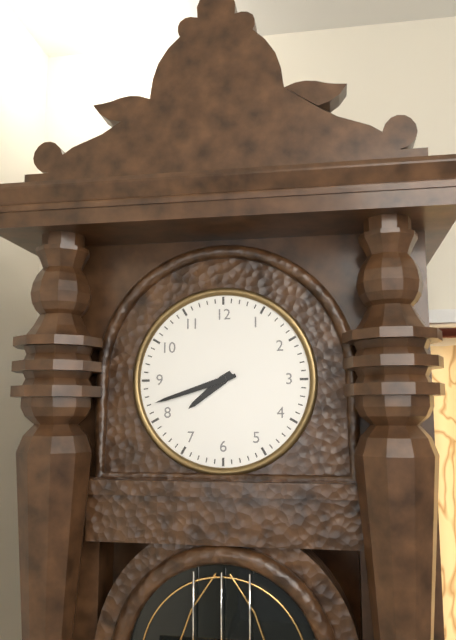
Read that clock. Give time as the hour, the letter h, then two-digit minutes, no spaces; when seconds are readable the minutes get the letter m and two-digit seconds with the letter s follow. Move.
7h42
